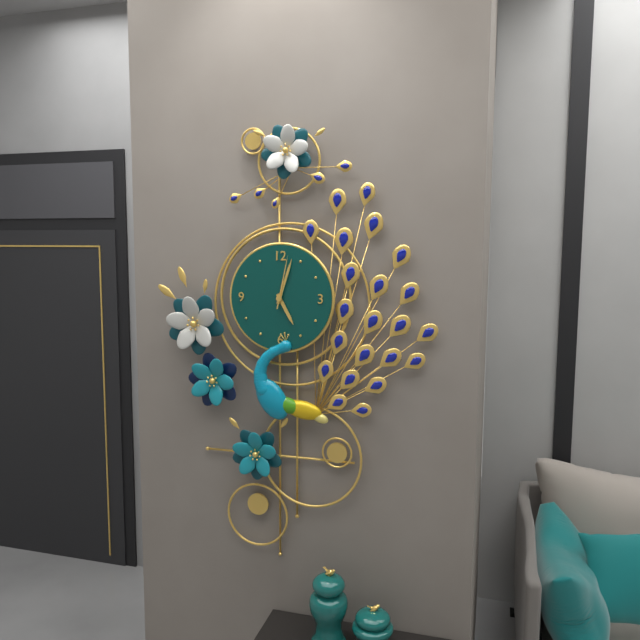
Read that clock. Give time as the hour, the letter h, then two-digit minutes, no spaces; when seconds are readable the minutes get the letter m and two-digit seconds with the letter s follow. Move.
5h03m02s
